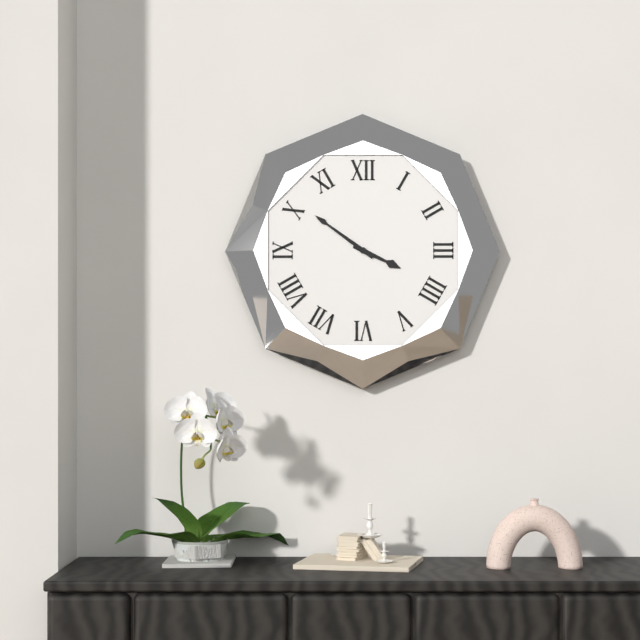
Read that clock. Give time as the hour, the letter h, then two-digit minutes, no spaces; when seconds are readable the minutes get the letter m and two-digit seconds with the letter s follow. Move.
3h51
